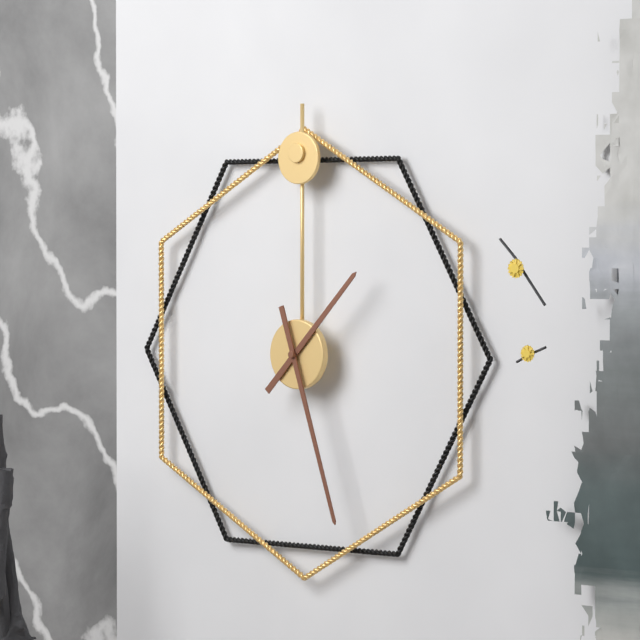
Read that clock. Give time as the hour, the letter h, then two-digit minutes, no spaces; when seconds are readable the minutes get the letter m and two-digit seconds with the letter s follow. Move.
1h27
